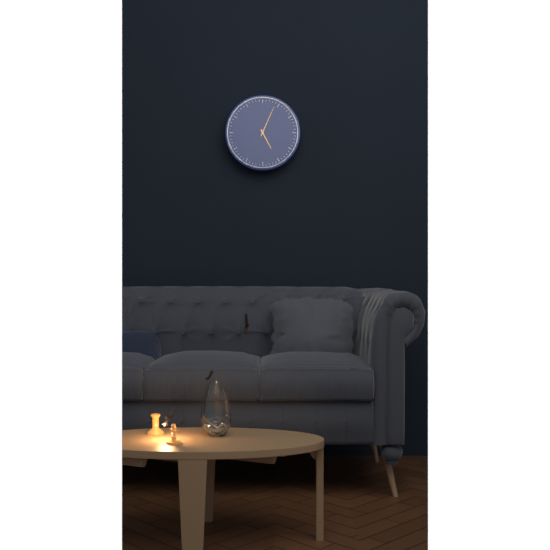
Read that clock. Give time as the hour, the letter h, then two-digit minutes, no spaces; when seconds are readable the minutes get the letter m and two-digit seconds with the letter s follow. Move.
5h04
